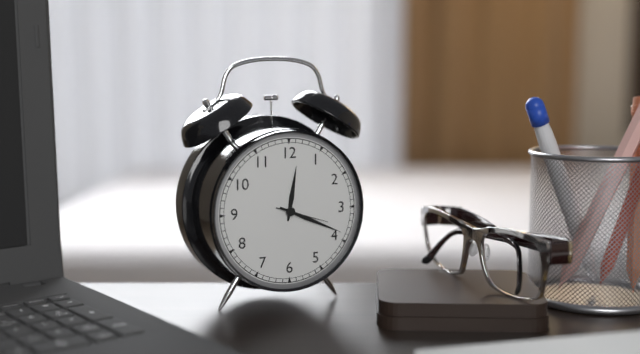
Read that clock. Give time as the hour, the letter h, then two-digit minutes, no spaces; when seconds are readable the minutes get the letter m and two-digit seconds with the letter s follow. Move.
12h19
